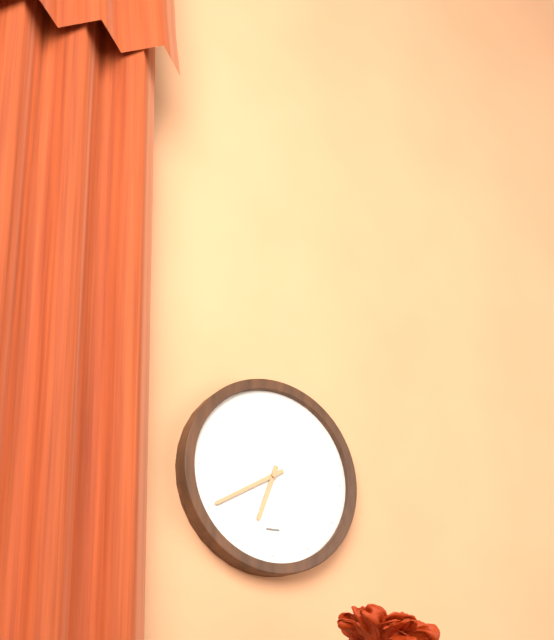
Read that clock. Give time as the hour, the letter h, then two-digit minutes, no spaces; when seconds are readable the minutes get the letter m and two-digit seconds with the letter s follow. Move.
6h40
